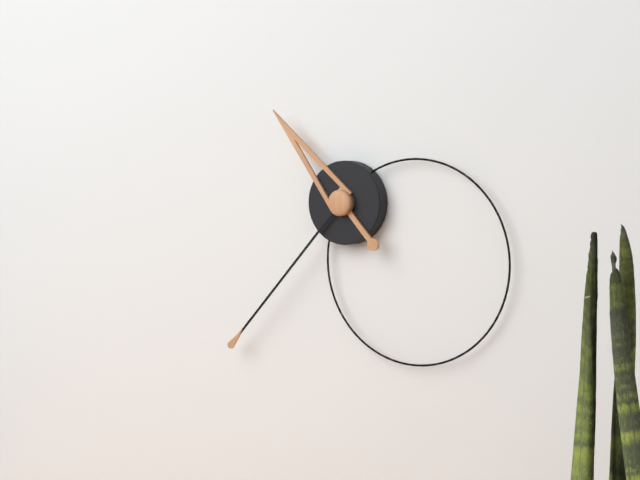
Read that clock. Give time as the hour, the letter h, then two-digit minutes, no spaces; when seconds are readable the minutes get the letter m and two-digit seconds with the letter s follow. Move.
10h37
